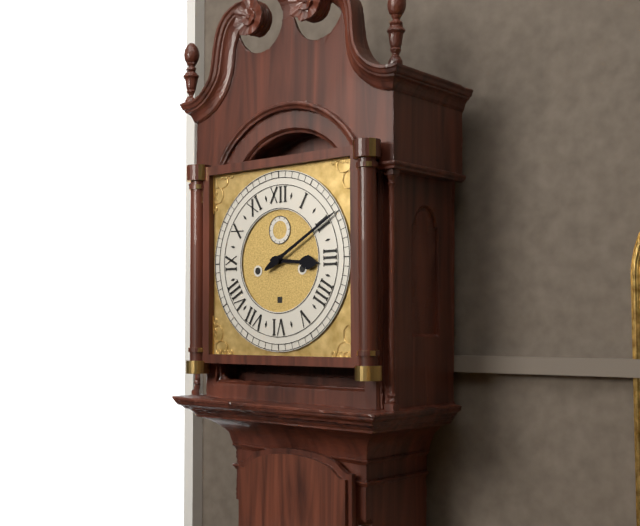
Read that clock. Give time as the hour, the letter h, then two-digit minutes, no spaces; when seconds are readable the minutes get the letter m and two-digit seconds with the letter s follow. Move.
3h10
